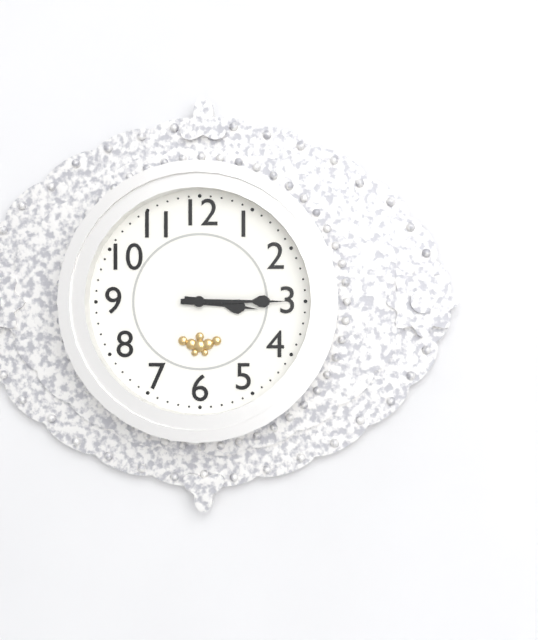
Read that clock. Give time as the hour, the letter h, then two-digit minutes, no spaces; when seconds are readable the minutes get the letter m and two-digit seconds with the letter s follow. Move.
3h15
